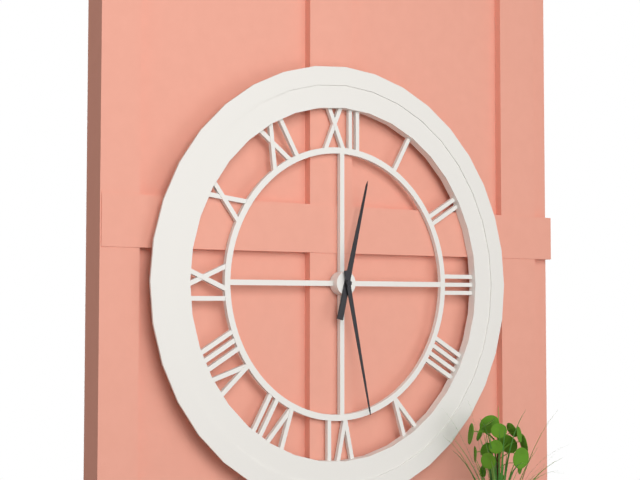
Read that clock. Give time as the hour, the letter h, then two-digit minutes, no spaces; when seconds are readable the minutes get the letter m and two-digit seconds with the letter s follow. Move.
12h28
